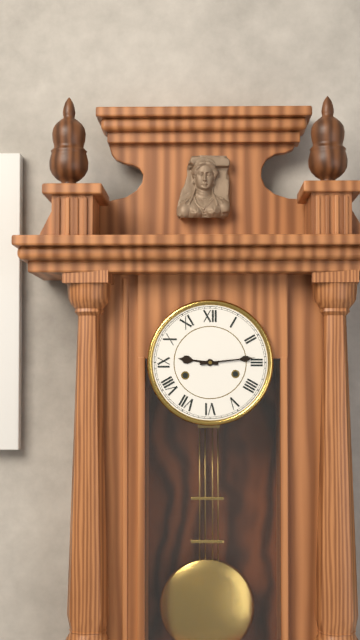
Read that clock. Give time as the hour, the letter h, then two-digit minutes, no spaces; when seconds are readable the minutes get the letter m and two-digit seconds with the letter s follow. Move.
9h14
